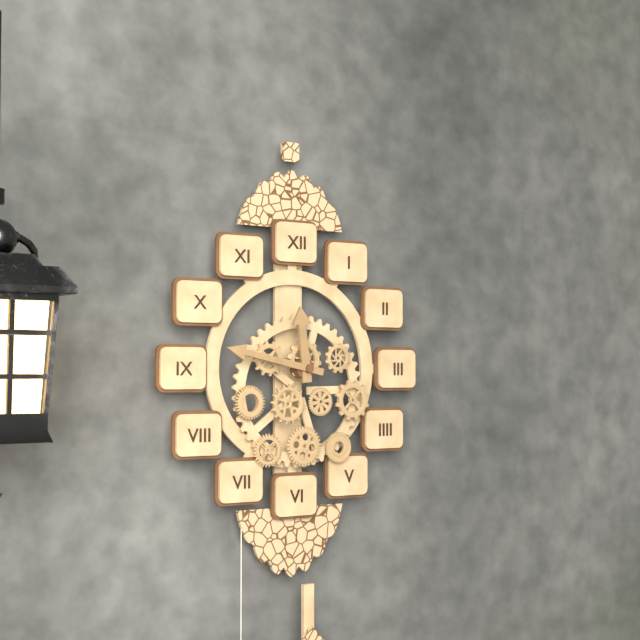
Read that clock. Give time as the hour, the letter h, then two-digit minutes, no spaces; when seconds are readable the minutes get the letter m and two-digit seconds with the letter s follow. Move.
11h47
